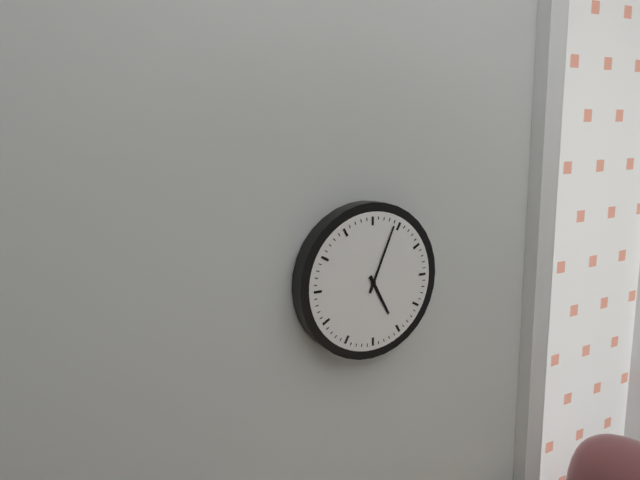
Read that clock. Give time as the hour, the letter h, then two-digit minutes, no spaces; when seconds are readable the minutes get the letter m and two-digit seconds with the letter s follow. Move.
5h04
